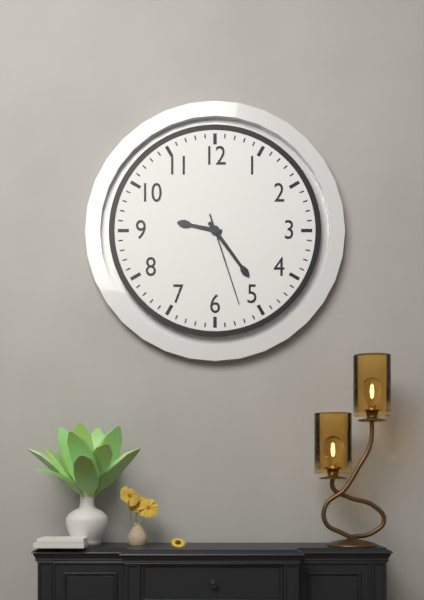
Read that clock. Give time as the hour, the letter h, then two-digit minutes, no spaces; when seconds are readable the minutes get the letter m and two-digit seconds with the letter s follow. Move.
9h24m27s
